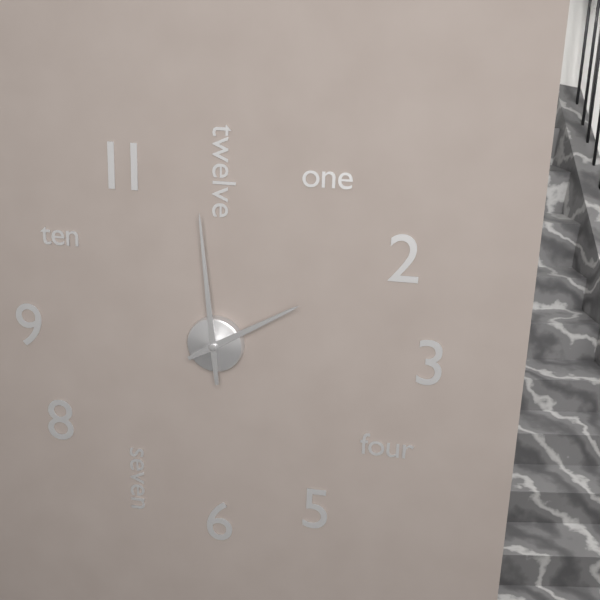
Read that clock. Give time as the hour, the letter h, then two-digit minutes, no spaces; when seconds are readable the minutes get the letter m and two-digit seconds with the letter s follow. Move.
1h59
